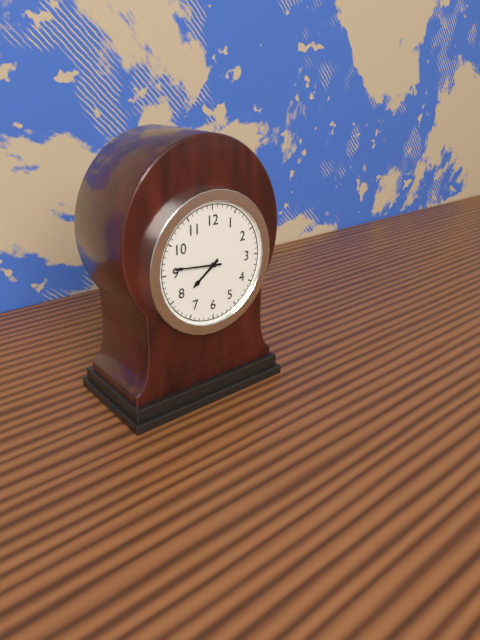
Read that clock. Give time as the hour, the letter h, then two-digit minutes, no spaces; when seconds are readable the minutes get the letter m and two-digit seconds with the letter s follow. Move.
7h46
